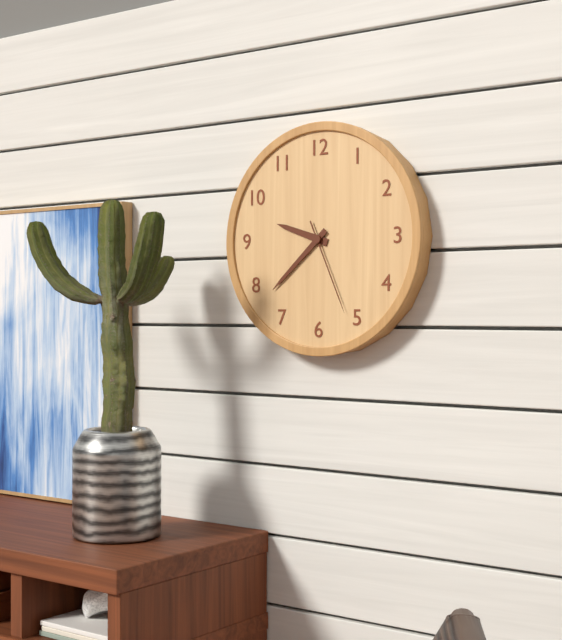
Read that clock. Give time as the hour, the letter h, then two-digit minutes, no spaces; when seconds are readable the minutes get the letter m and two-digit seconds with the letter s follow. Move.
9h38m26s
